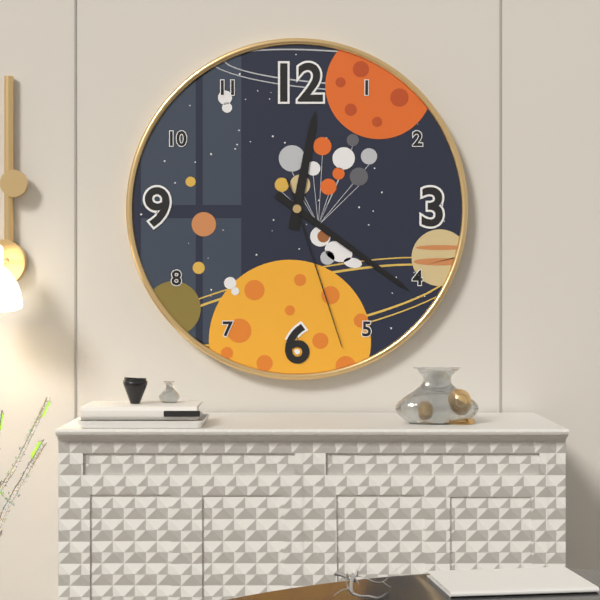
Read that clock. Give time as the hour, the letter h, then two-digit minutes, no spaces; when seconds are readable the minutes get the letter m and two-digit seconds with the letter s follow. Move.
12h21m27s
